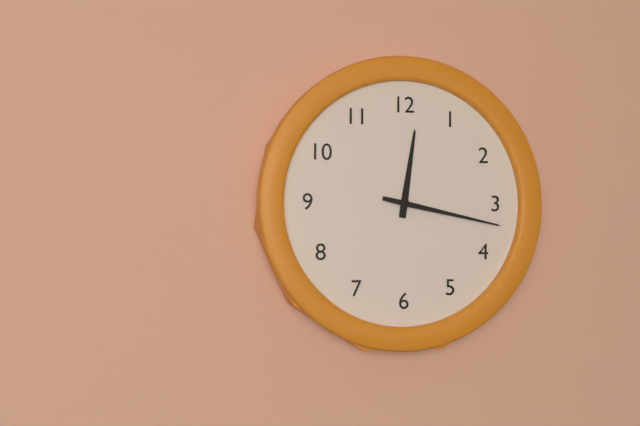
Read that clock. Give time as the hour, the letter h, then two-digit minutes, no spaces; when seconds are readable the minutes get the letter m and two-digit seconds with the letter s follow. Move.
12h17
